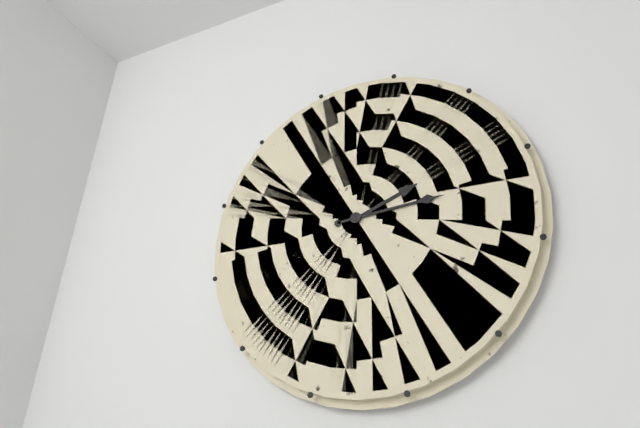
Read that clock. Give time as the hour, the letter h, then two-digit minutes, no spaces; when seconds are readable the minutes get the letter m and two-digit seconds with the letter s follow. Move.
2h14
